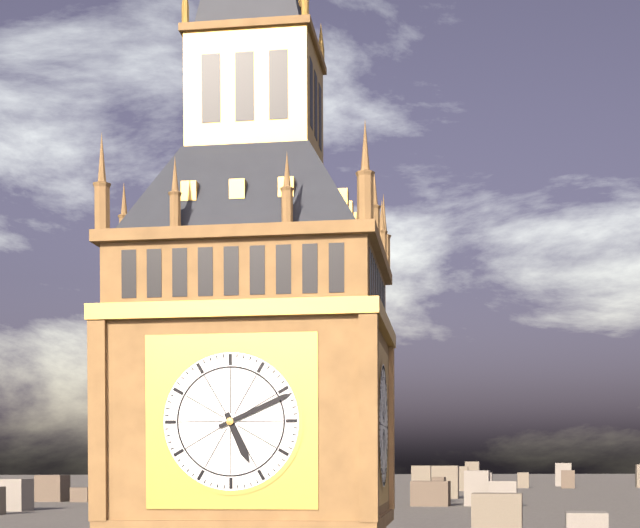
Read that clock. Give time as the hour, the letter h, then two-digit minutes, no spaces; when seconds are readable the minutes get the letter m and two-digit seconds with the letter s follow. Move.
5h11
